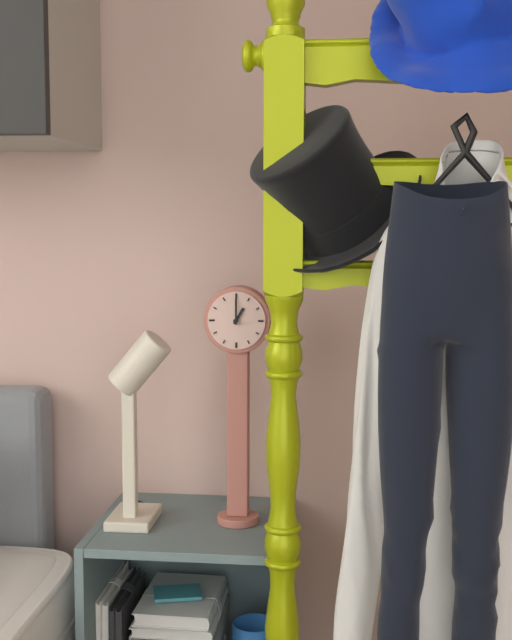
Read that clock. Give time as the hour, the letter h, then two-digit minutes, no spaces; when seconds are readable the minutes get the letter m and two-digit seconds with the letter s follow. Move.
1h00
